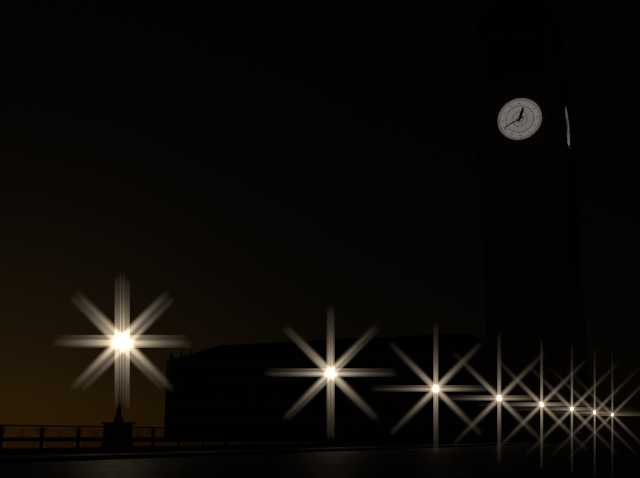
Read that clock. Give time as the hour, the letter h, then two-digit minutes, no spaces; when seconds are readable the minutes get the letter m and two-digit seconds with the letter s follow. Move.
12h41
